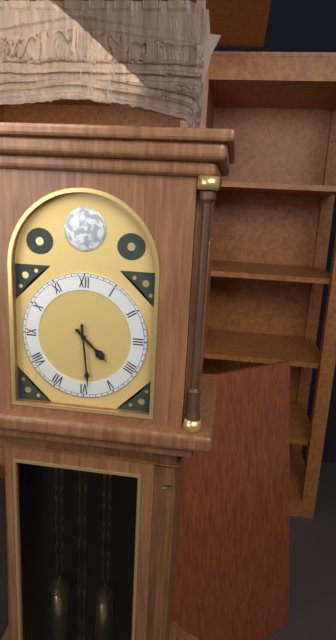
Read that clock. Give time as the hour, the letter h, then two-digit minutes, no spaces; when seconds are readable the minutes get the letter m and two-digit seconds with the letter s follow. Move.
4h29
